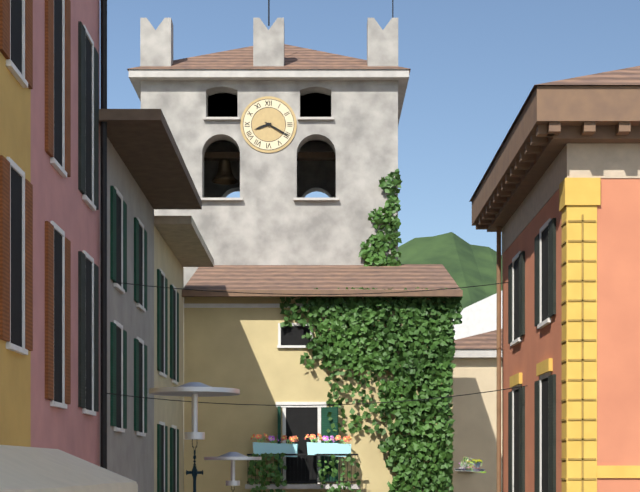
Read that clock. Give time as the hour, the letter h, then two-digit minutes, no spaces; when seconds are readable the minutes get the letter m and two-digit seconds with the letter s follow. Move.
8h20
